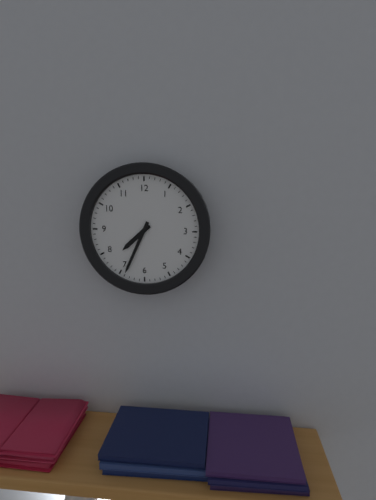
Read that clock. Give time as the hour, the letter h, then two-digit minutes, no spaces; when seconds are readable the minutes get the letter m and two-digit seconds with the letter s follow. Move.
7h34
